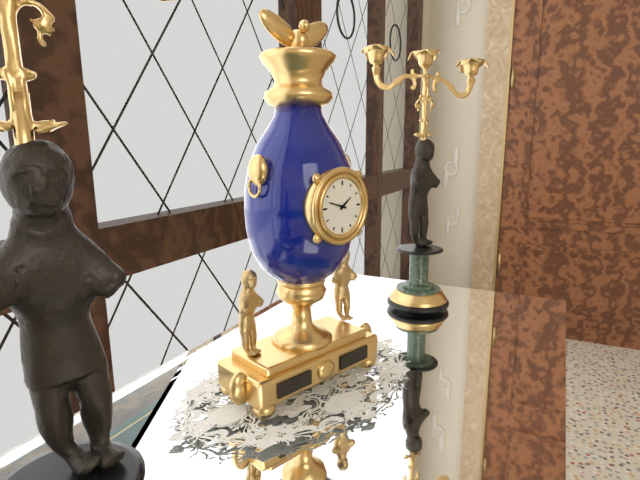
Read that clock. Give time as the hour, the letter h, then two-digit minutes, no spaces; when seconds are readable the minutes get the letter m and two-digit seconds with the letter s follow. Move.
1h48
